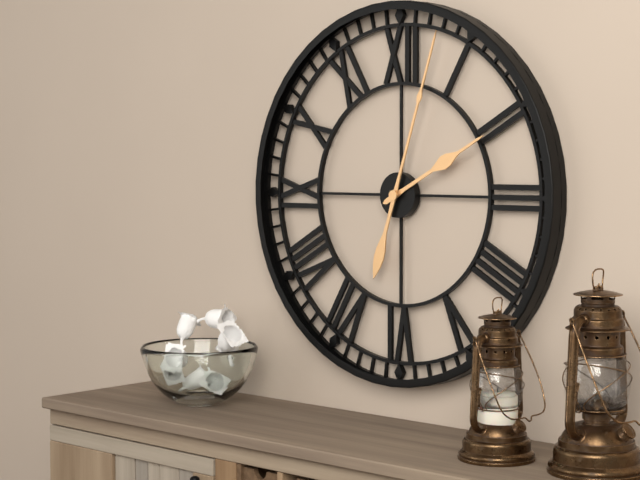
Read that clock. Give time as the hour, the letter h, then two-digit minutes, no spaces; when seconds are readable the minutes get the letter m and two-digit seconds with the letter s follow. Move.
2h03
